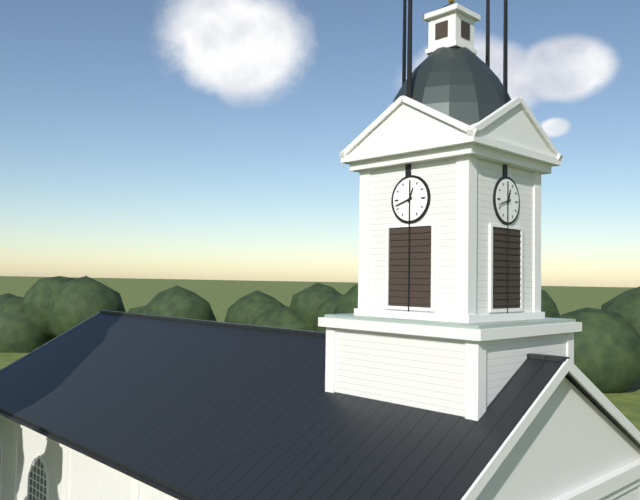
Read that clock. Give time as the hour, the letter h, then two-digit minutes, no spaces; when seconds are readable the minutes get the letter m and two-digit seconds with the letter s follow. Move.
12h42
